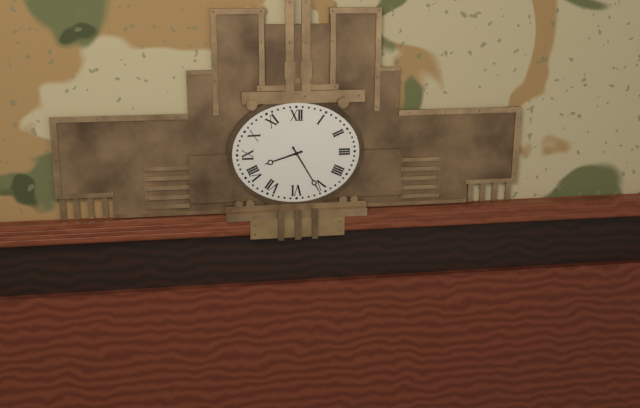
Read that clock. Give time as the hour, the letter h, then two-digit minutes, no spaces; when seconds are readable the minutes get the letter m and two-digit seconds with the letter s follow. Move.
8h25
